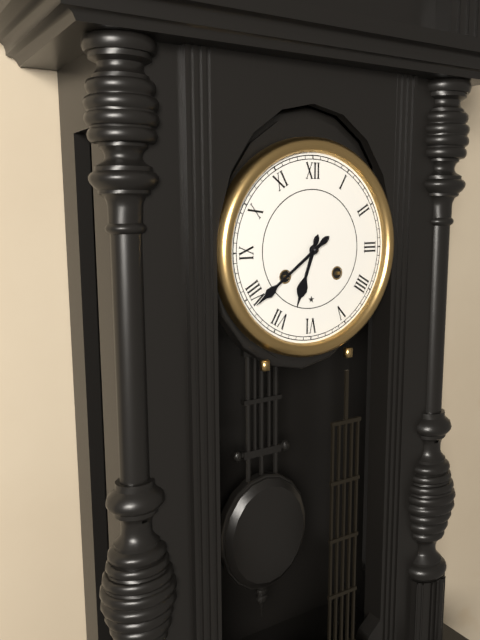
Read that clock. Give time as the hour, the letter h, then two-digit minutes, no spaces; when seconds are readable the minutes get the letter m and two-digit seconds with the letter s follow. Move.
6h39
